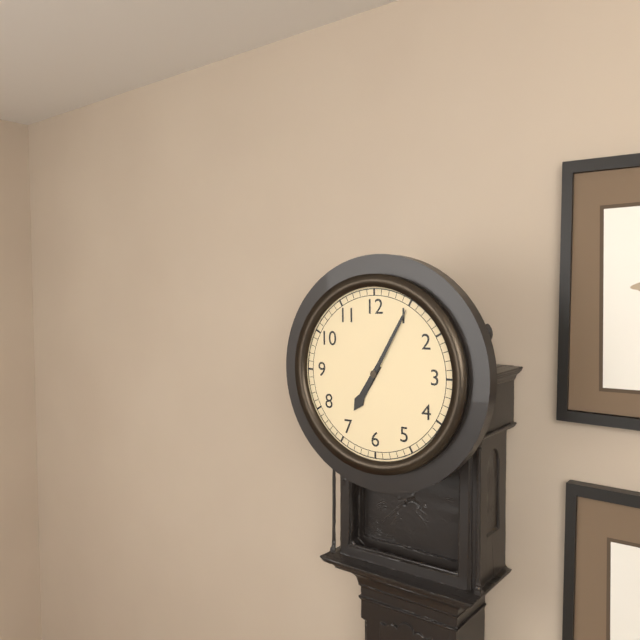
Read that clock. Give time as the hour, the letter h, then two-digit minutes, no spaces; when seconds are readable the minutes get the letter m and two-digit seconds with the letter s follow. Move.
7h05
